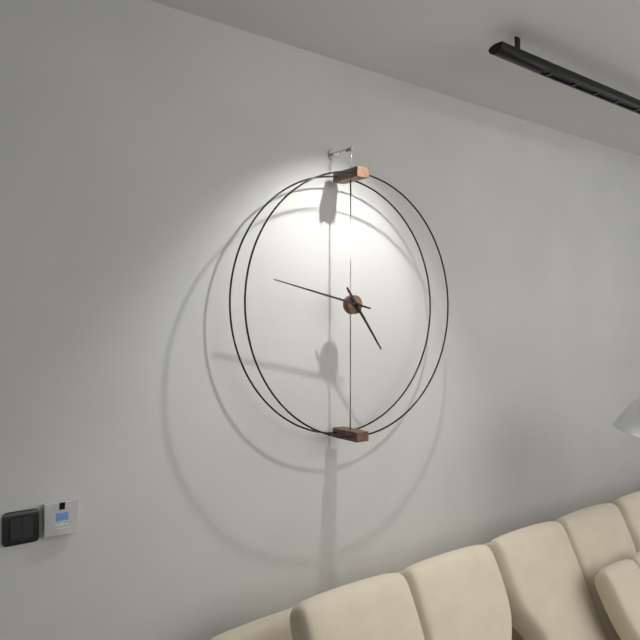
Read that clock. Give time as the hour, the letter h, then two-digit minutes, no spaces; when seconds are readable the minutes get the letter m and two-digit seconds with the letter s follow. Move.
4h47
